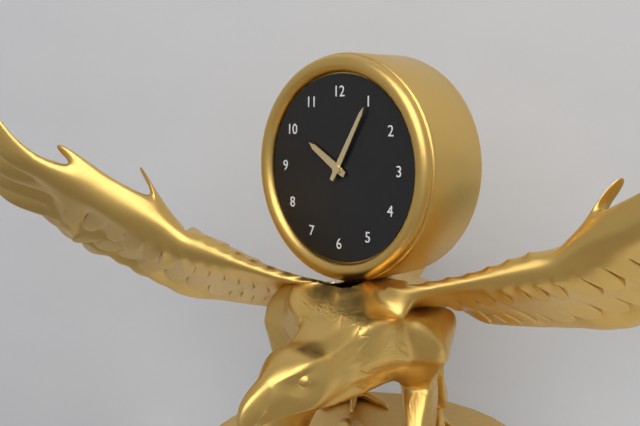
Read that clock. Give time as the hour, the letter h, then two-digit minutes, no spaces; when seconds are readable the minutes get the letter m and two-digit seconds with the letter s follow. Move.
10h05
